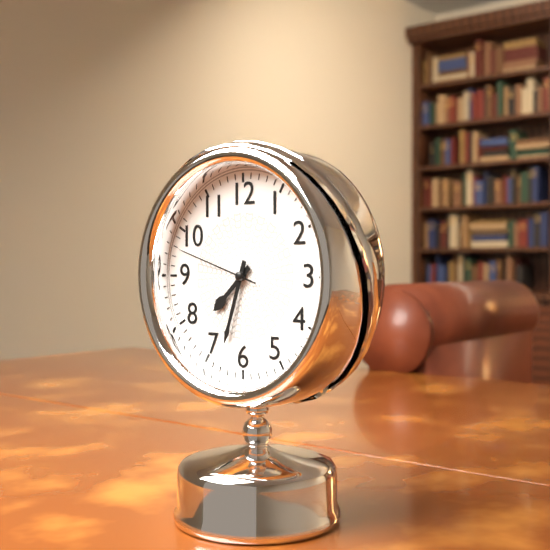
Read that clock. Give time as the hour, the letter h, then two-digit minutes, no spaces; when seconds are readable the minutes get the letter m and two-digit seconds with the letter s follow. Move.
7h33m48s
